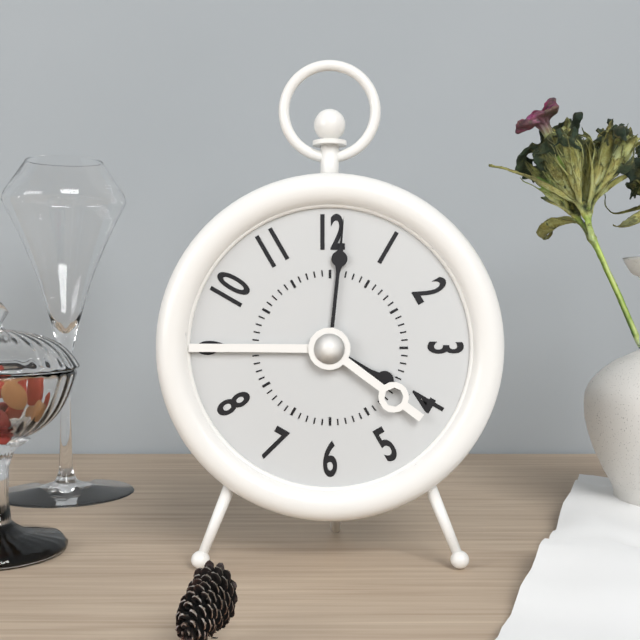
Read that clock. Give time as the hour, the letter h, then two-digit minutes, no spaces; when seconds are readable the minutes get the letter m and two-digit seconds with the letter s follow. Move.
4h01
